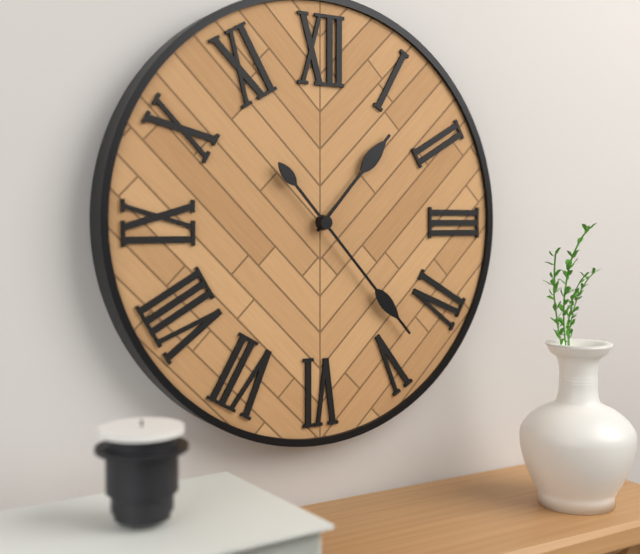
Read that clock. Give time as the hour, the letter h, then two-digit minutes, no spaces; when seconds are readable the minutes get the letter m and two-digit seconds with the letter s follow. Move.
1h23
